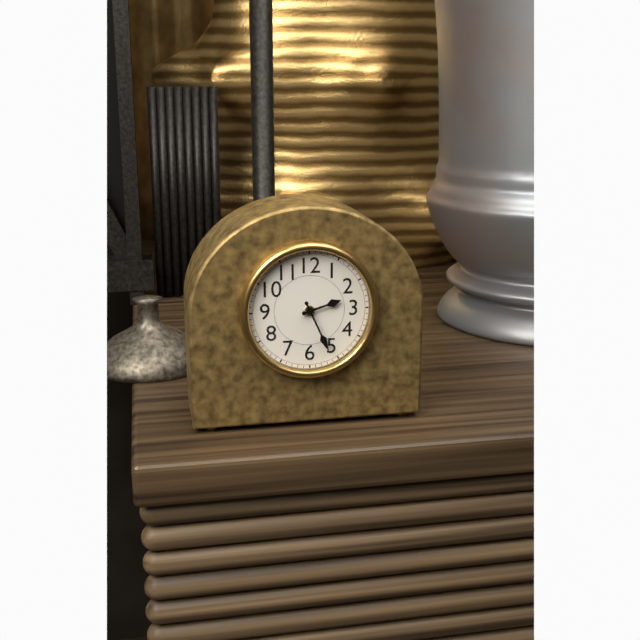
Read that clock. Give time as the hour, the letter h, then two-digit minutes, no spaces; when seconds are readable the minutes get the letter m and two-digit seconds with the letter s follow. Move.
2h26
